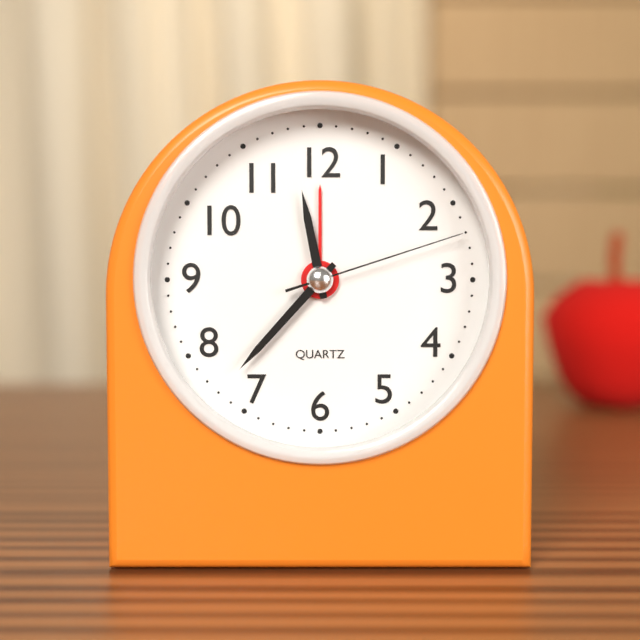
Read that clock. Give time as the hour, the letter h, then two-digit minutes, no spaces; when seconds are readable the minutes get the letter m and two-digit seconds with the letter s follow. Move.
11h37m12s
